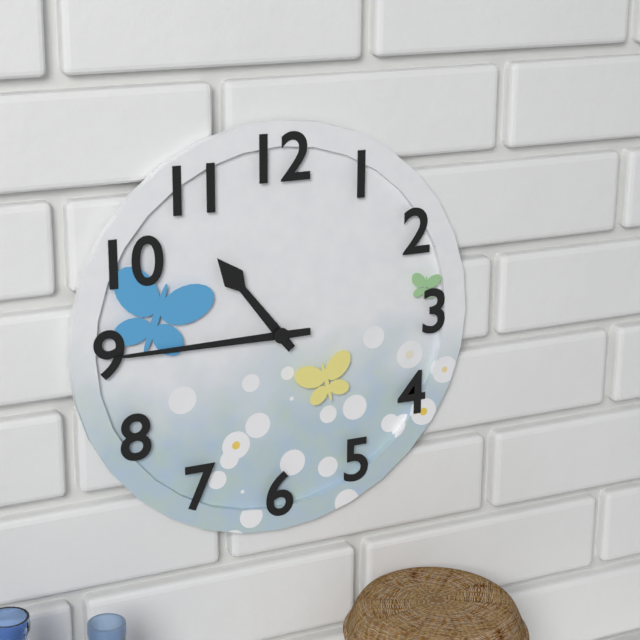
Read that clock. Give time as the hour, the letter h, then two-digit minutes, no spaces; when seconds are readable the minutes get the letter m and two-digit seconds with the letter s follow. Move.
10h45
